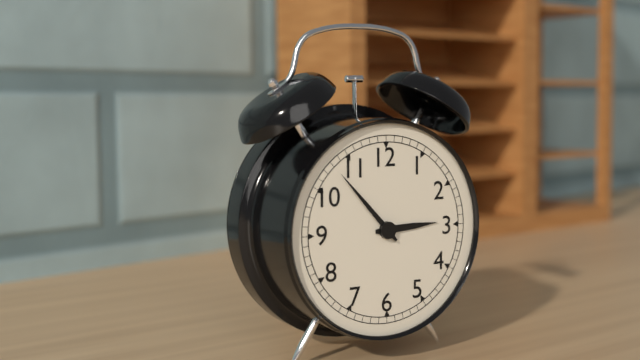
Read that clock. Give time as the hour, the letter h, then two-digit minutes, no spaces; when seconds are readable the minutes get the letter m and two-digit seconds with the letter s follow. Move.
2h53
